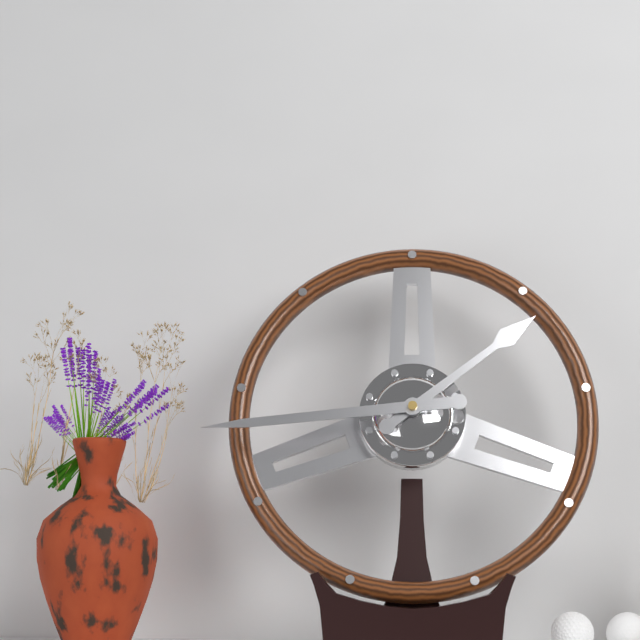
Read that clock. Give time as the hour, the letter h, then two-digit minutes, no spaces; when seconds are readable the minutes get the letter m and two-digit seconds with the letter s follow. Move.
1h44
